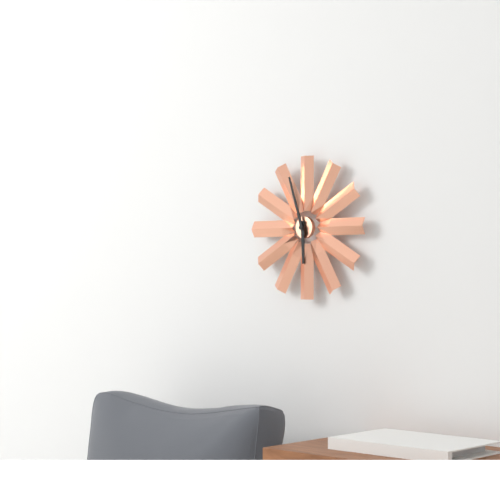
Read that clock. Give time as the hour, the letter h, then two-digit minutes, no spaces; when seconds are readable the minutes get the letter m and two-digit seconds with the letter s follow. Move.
5h57
